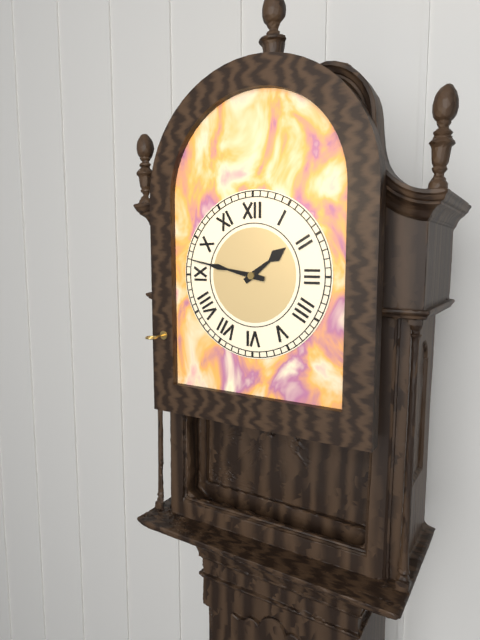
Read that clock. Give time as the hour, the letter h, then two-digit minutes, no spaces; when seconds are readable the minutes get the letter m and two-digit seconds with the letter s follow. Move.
1h47
